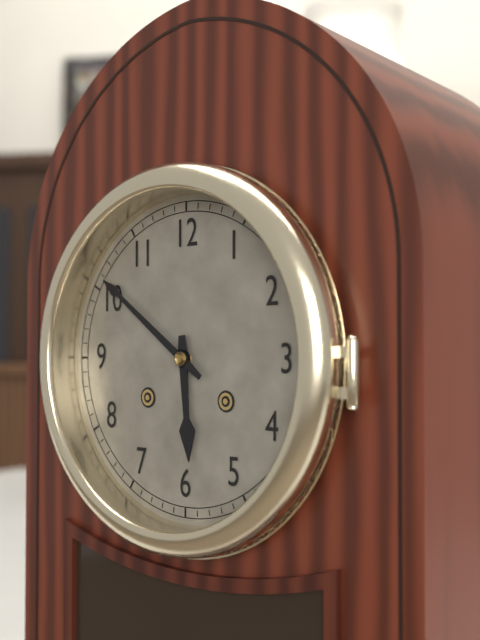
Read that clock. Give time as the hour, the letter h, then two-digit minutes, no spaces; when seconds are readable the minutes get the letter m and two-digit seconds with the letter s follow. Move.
5h51
